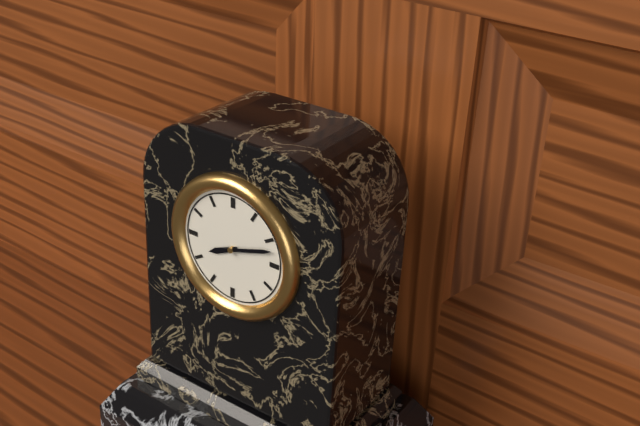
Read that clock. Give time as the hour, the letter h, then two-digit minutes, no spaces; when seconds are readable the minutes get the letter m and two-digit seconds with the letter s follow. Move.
8h12
